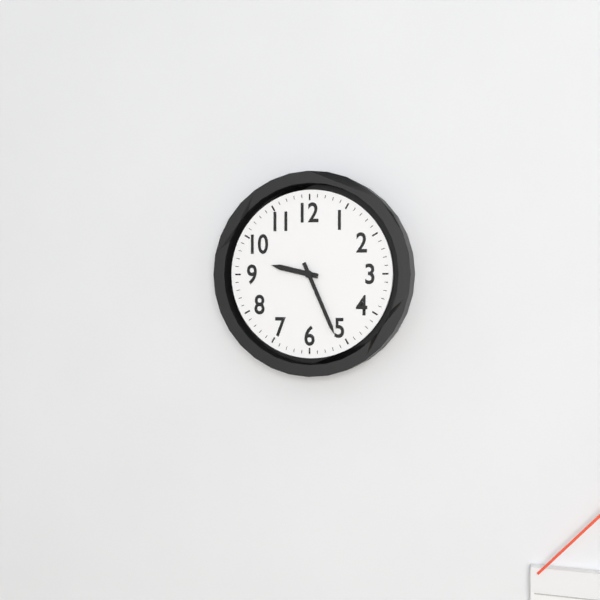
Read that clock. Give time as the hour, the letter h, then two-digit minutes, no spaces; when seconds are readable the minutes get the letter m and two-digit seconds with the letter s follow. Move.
9h26
